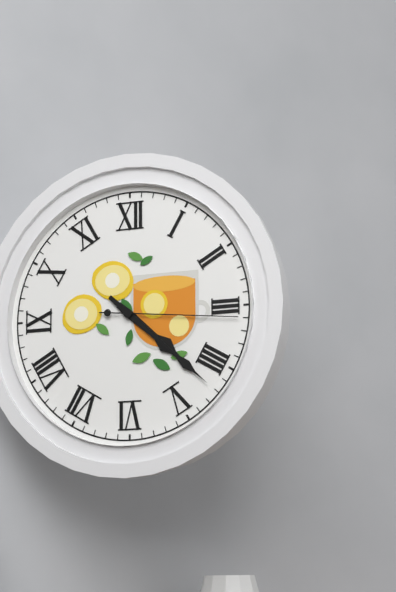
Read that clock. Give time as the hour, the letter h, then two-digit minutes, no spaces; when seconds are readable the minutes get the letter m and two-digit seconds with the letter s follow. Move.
4h22m16s
